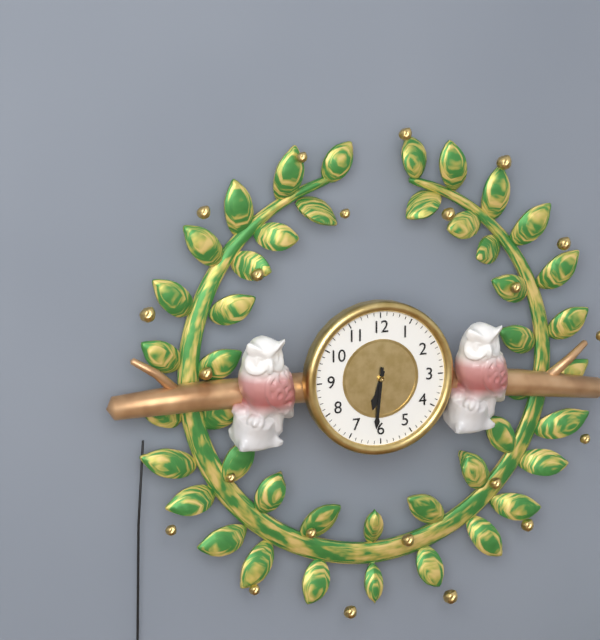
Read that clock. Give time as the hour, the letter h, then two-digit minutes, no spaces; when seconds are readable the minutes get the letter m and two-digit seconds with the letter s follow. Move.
6h31
